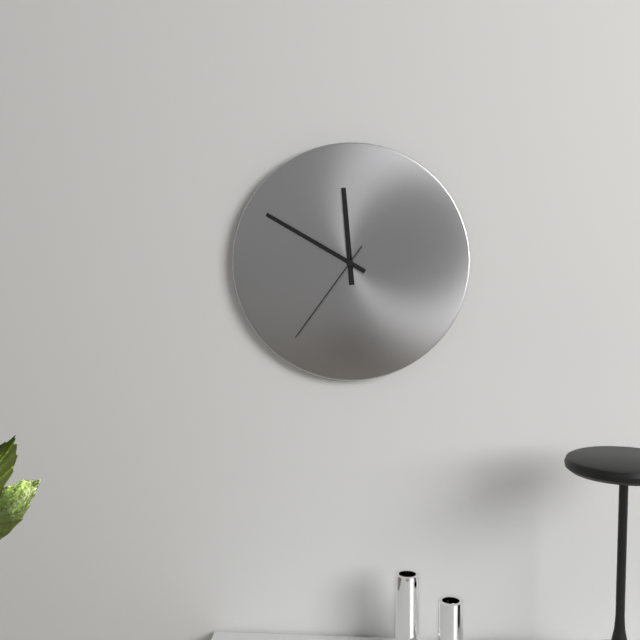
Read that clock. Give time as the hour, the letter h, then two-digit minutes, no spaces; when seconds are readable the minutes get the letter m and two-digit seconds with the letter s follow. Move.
11h50m36s
